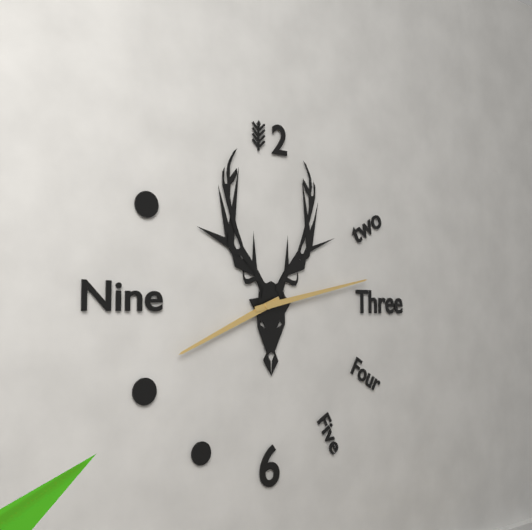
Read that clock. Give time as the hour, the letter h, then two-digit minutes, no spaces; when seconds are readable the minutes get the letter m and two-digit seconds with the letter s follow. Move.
8h13
